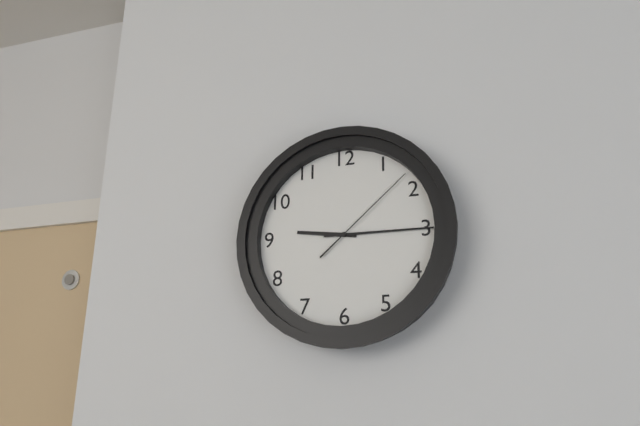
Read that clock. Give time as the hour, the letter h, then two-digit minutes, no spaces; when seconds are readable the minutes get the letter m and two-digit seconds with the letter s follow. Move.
9h15m08s
